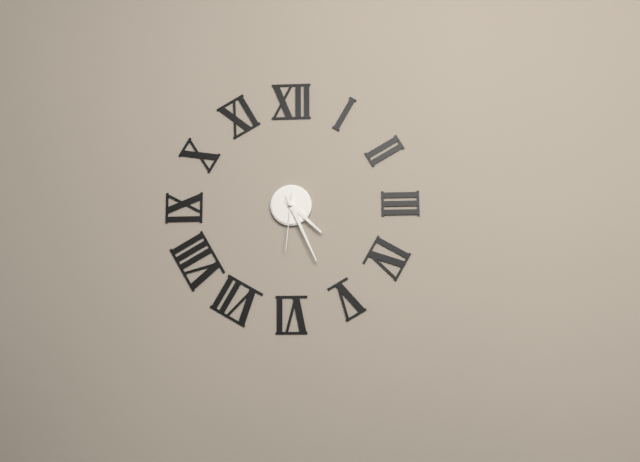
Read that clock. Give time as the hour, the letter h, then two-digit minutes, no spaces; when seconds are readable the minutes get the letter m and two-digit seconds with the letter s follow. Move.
4h26m31s
